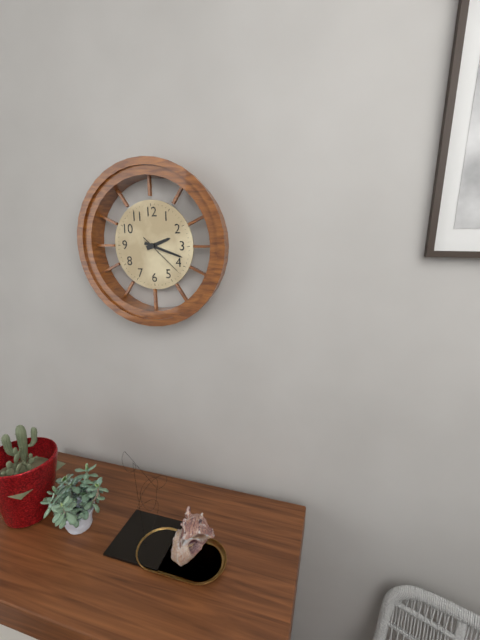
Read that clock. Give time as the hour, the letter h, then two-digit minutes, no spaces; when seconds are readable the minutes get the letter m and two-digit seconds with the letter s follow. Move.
2h18
